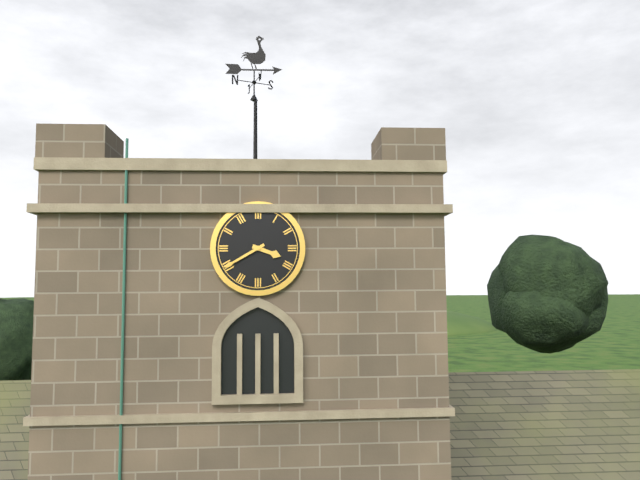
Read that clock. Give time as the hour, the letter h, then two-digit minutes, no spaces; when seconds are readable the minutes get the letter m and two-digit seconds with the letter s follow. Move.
3h40
